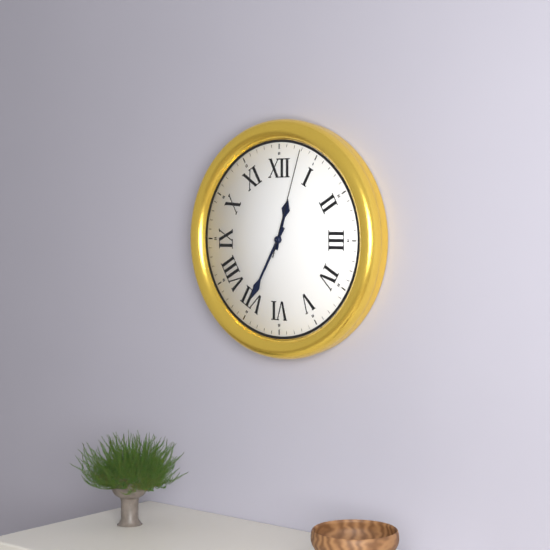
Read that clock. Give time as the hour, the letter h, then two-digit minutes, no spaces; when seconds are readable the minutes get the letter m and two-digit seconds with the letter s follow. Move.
12h35m03s
